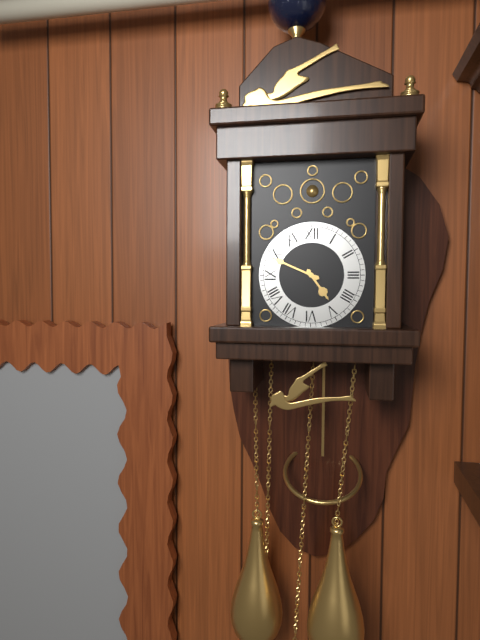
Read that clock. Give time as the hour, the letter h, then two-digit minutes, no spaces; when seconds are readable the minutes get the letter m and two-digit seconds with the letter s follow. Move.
4h49
